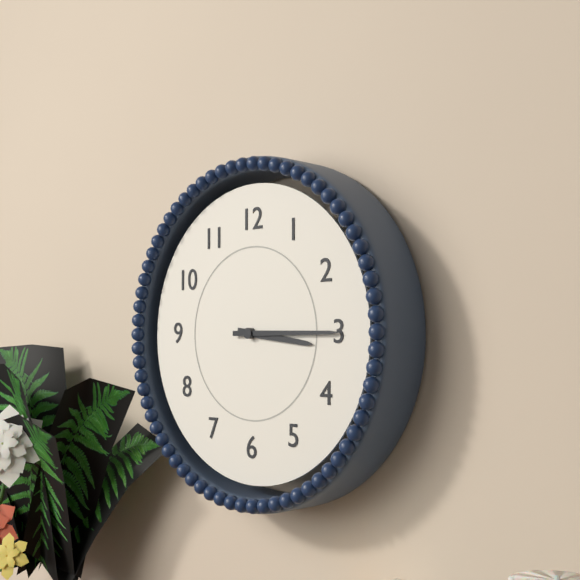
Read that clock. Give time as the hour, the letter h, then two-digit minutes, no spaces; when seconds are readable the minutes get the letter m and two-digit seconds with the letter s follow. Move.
3h15
